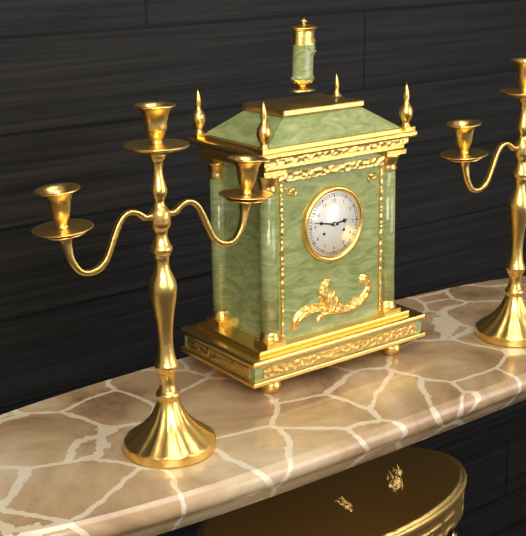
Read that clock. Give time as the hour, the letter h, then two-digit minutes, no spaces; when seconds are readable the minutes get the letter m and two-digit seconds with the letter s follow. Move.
2h47
